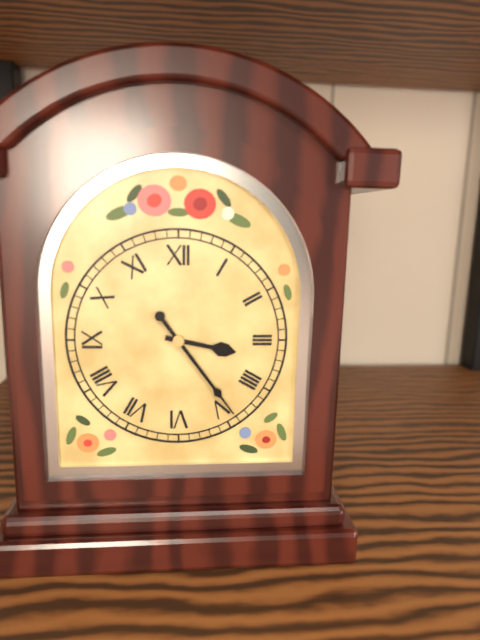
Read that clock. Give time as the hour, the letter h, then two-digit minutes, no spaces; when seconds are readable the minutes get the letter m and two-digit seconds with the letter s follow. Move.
3h24
